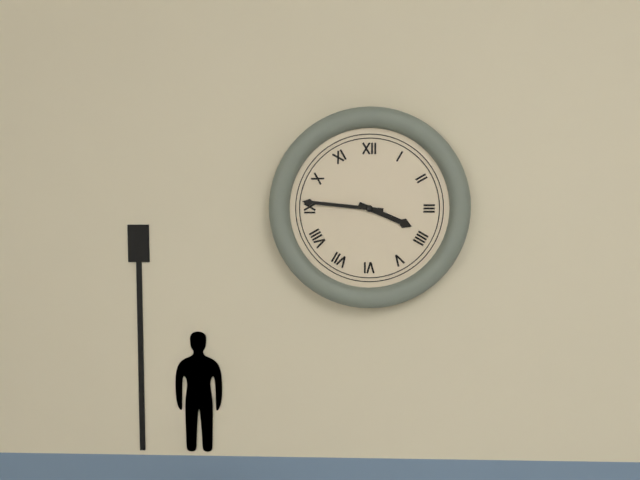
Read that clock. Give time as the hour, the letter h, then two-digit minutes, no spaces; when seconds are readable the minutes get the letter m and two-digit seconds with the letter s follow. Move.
3h46
